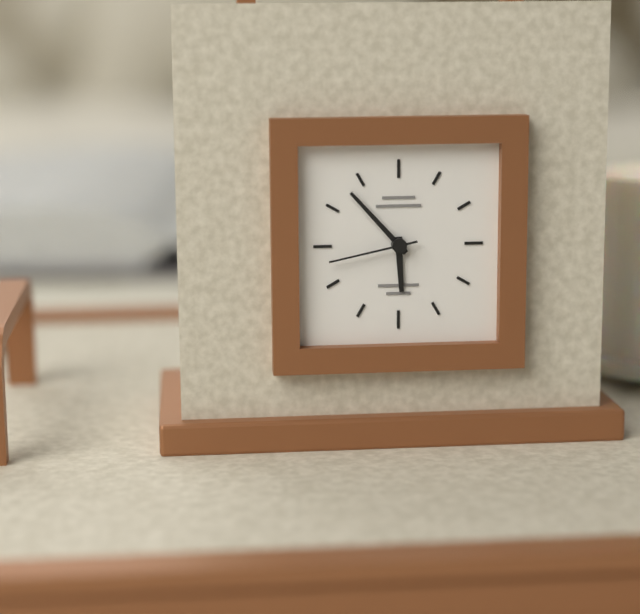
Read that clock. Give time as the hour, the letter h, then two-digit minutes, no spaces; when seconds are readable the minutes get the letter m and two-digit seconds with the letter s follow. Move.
5h53m43s
